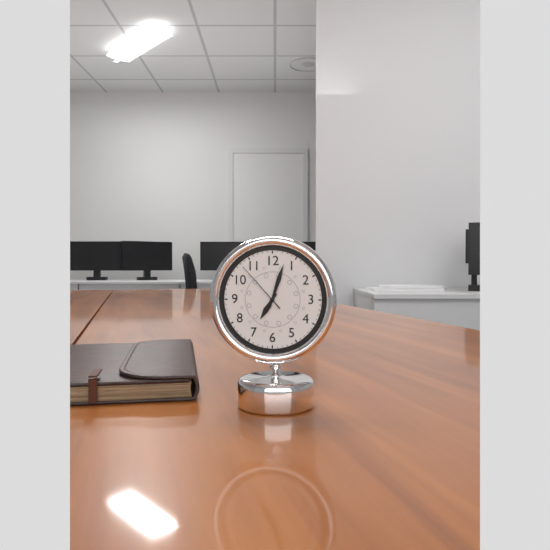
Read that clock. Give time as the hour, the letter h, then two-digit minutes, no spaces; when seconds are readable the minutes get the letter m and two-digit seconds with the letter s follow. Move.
7h03m53s
